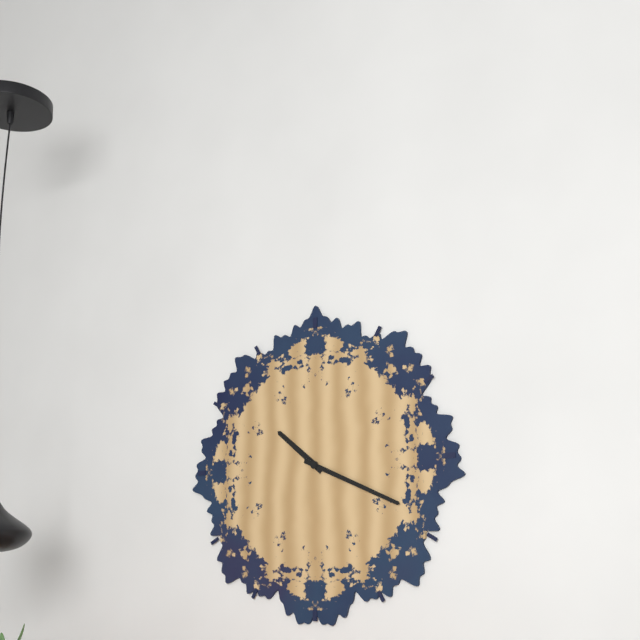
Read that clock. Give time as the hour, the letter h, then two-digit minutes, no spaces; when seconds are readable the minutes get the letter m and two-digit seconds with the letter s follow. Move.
10h19
